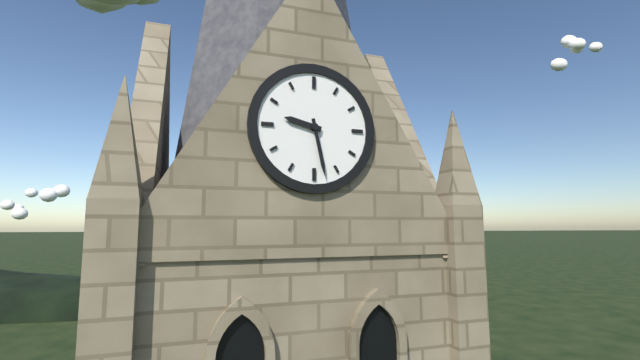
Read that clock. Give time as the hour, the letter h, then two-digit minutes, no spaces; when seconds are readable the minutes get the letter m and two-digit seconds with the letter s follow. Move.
9h28
